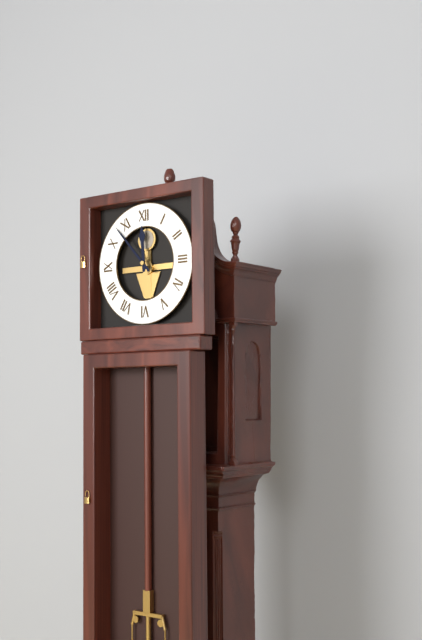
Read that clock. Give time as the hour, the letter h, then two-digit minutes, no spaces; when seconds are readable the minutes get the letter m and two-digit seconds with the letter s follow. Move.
11h53
